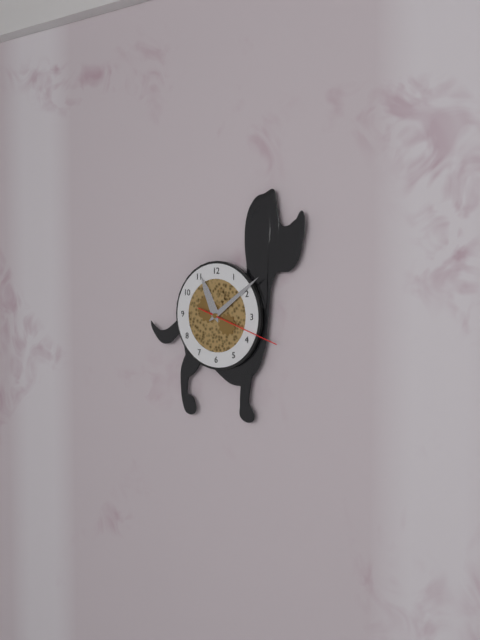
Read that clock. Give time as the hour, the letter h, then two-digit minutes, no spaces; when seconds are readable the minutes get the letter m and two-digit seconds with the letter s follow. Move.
11h09m18s
